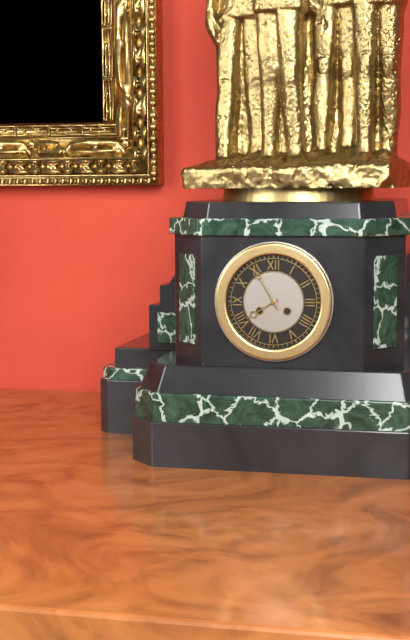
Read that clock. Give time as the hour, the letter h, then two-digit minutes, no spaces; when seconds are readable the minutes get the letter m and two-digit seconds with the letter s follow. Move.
7h55
